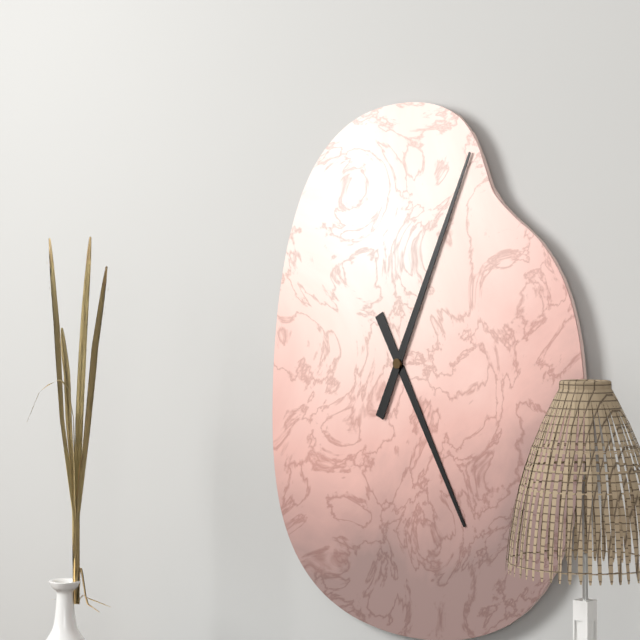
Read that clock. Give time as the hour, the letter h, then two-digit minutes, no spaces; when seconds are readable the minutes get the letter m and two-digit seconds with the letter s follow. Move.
5h04
